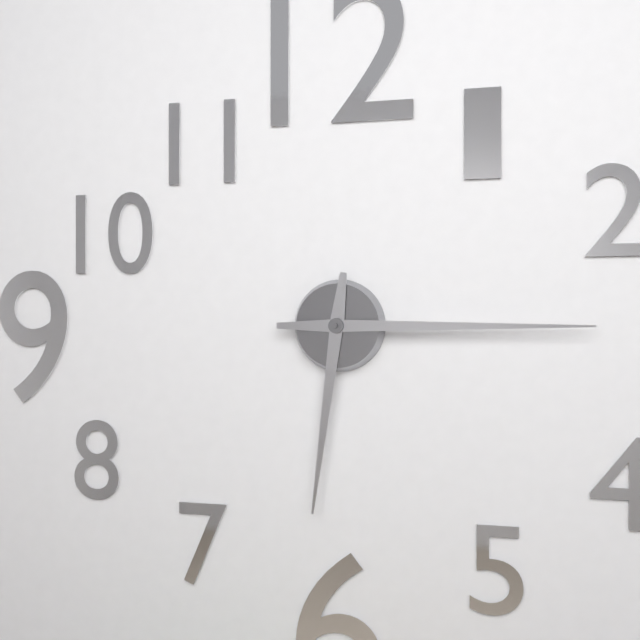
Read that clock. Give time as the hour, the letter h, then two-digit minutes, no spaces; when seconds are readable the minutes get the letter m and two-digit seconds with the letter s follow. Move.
6h15
